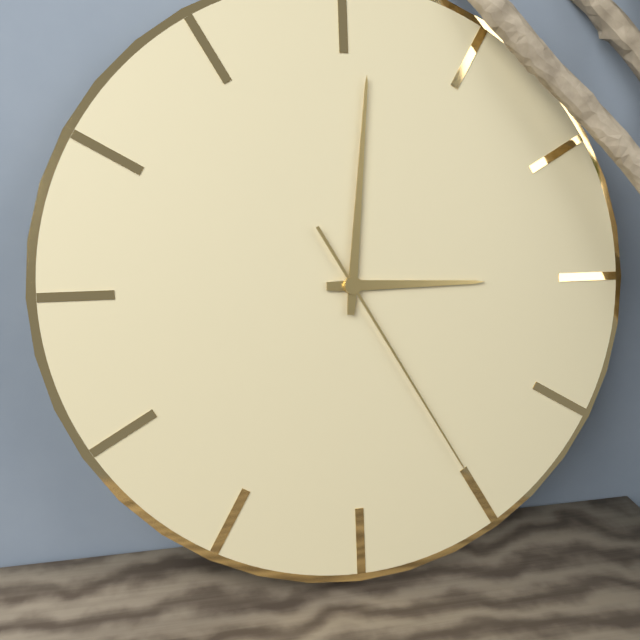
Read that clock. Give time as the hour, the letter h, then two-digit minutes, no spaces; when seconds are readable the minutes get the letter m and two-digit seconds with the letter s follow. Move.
3h01m25s
